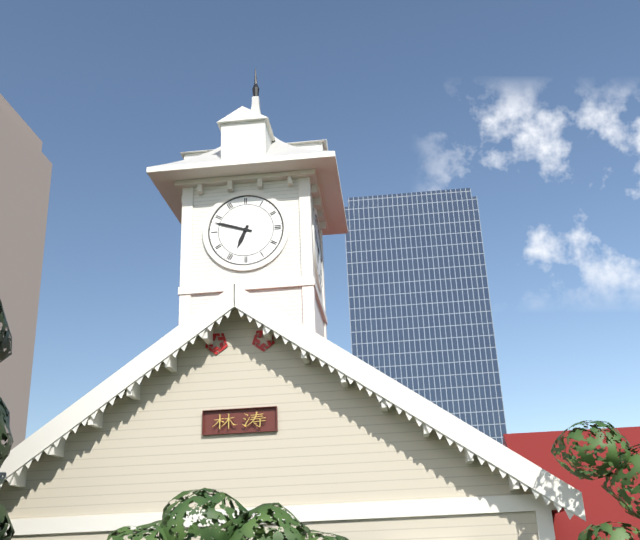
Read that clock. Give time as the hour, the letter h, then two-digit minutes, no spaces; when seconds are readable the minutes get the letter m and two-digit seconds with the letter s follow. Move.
6h48
